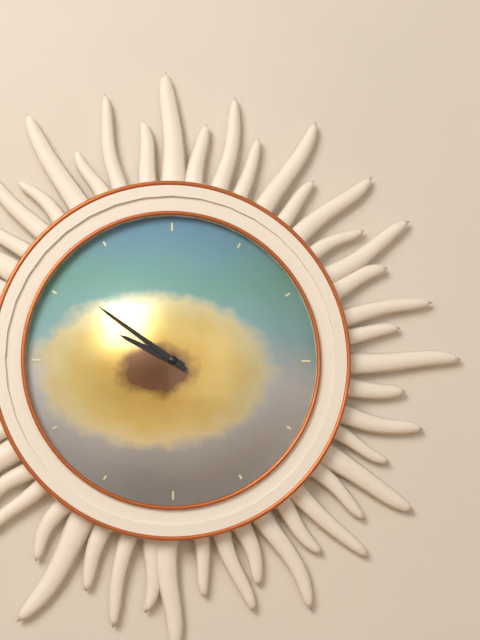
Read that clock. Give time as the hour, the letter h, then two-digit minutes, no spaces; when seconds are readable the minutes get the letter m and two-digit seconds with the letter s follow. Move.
9h51
